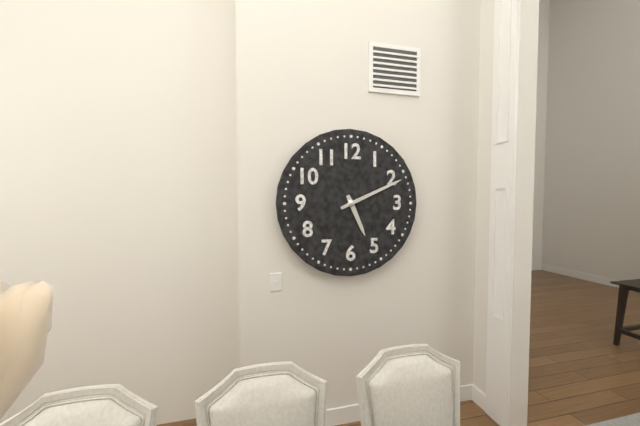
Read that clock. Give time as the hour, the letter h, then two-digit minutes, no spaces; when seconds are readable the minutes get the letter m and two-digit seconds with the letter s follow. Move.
5h11
